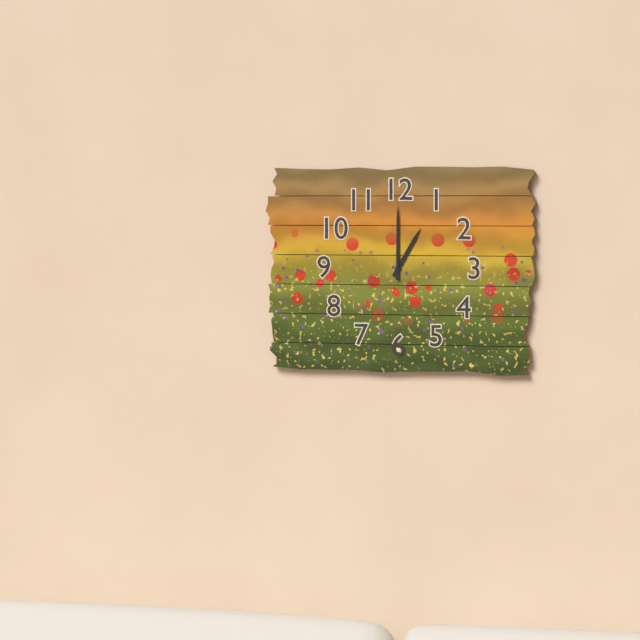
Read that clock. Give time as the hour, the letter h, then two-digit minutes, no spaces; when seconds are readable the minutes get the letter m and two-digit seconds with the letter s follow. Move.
1h00
